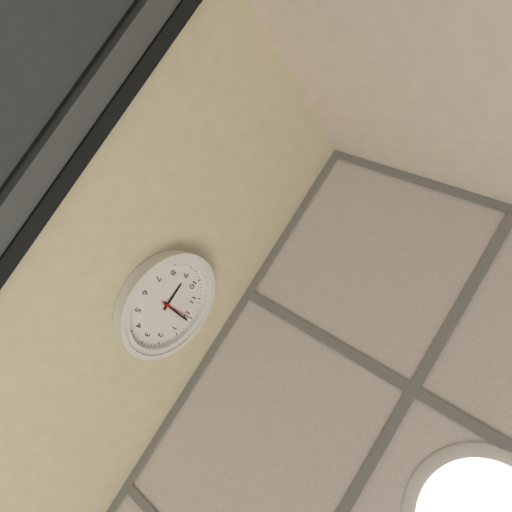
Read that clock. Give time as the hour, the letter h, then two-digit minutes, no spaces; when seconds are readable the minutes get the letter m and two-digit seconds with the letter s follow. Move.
9h01
